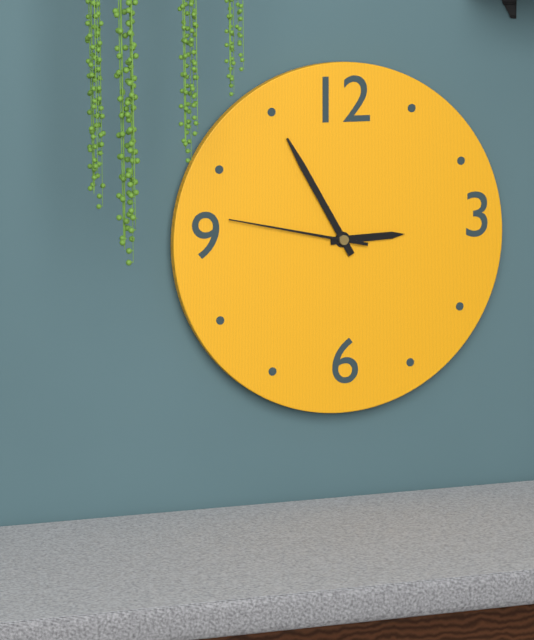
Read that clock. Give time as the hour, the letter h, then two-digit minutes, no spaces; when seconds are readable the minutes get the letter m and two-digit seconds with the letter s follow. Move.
2h55m47s
